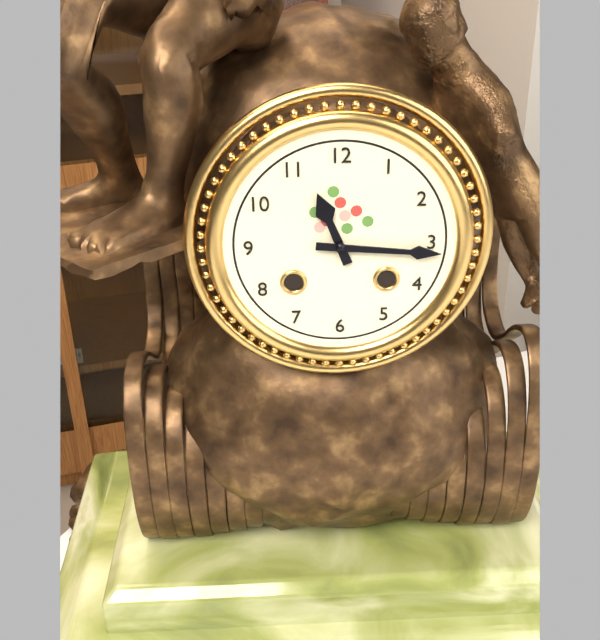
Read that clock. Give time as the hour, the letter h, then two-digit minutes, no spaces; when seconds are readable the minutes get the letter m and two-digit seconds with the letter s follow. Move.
11h16
